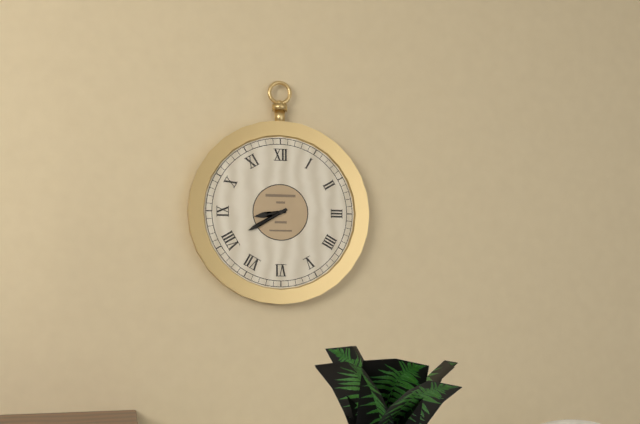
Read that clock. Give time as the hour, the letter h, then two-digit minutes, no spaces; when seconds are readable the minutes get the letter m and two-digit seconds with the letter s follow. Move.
8h40
